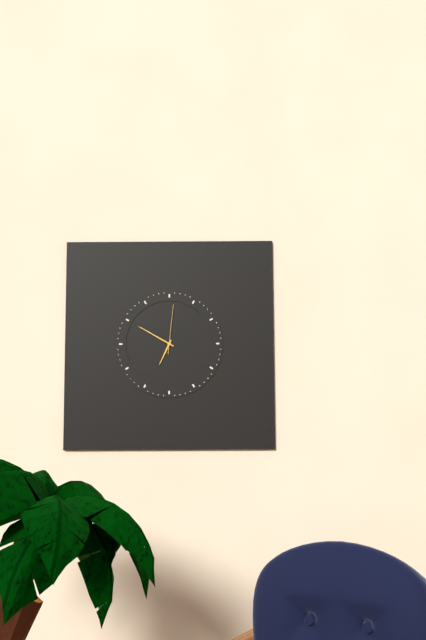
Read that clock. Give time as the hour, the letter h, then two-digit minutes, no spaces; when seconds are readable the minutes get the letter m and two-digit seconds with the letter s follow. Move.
6h50
